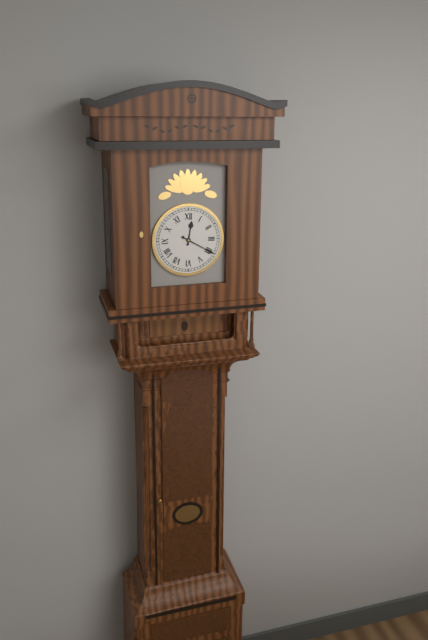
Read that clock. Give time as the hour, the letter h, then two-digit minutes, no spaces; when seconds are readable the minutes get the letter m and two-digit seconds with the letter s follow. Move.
12h20
